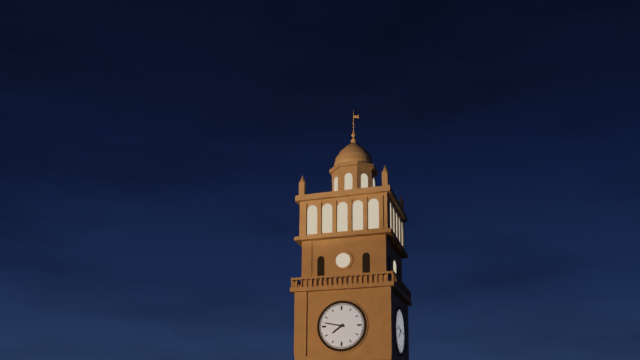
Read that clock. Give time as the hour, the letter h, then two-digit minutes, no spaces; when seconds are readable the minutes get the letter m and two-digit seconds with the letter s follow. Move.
7h47
